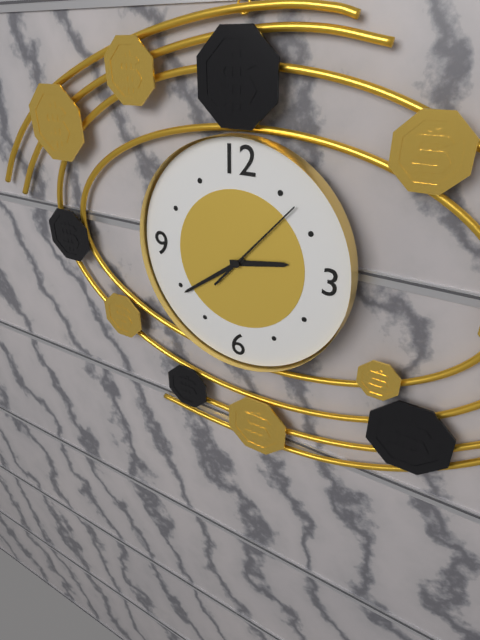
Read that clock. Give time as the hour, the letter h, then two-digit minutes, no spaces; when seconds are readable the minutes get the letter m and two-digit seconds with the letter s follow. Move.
2h39m07s
